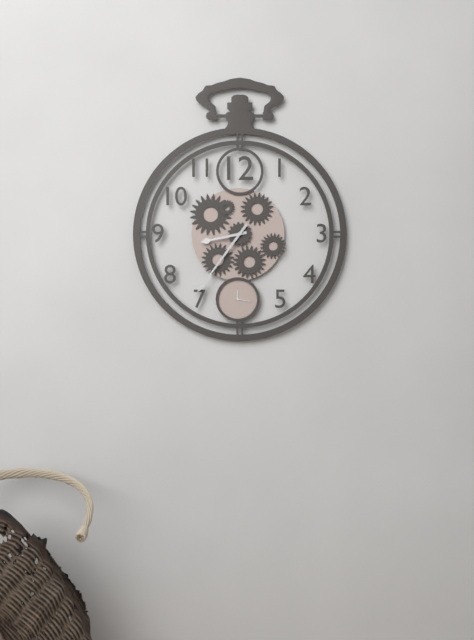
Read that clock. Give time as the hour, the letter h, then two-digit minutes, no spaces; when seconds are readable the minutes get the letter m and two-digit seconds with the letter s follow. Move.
8h36
